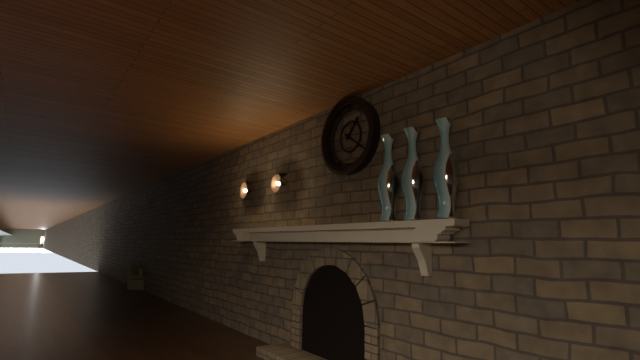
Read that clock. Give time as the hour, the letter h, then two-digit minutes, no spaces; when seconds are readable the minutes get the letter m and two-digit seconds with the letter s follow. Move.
1h21
